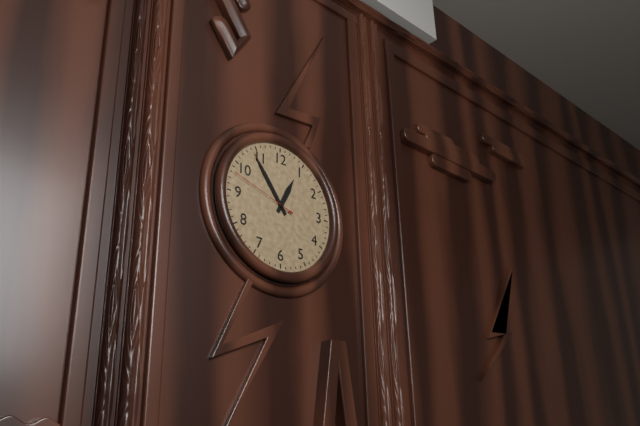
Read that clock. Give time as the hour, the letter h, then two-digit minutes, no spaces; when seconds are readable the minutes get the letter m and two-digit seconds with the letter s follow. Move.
12h54m48s
